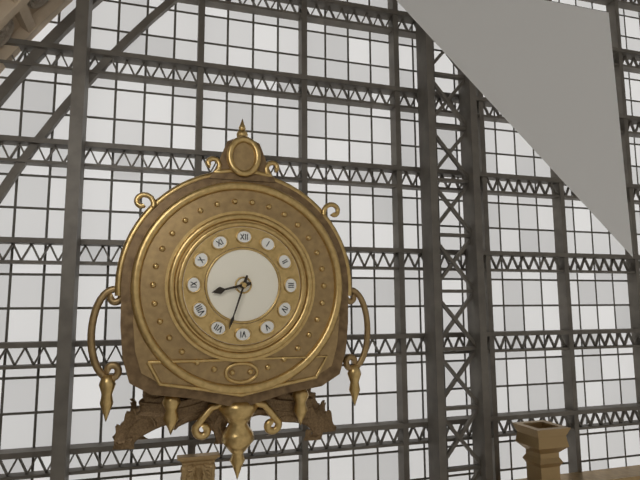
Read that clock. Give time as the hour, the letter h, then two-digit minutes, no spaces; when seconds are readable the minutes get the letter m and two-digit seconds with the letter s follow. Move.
8h33
